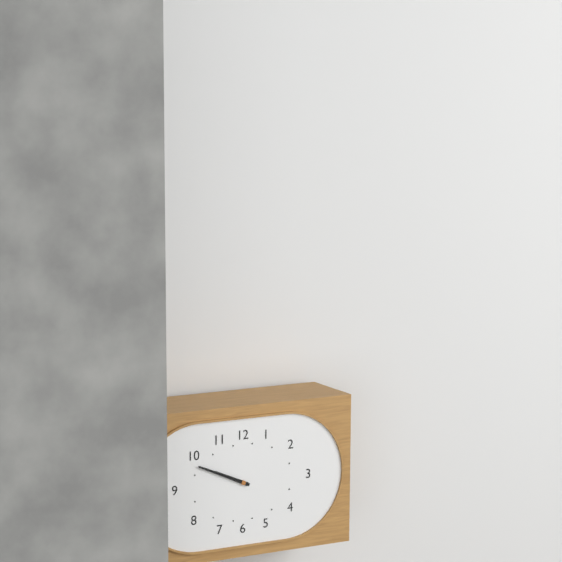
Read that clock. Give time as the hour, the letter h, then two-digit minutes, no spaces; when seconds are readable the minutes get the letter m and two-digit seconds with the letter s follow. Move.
9h49
